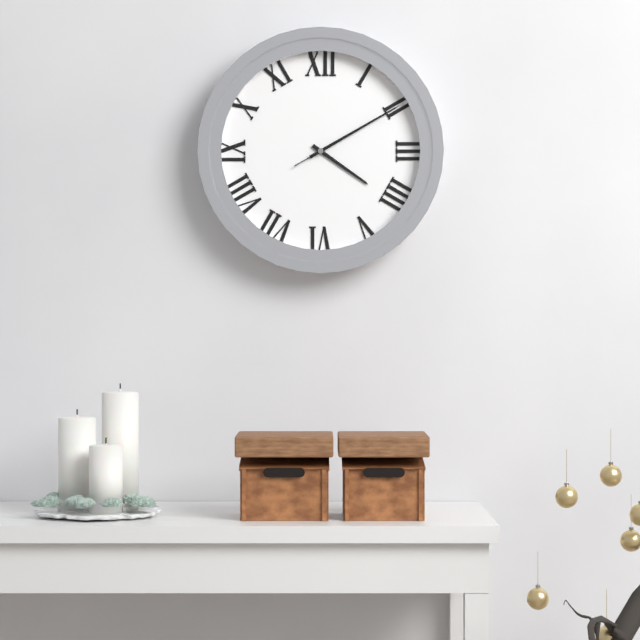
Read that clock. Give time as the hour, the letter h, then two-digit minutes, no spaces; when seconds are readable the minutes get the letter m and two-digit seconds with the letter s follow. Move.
4h10m10s
